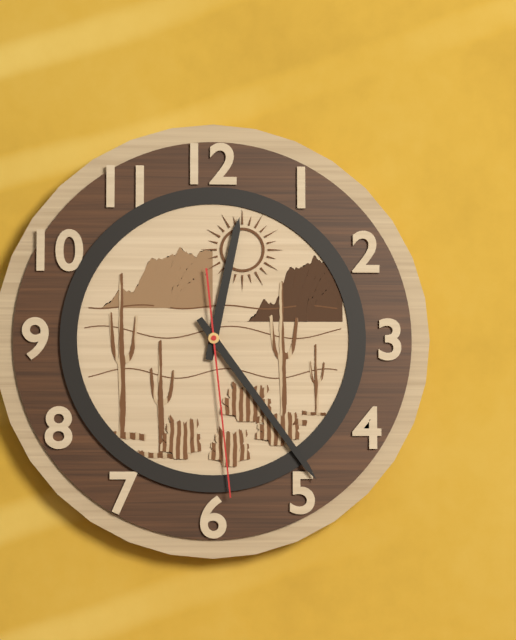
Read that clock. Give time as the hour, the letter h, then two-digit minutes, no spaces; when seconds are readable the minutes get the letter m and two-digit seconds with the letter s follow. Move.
12h24m29s
